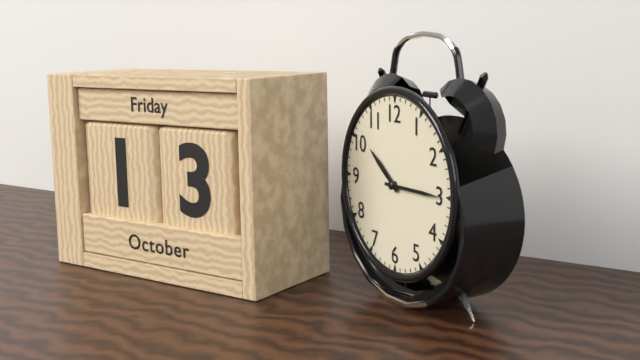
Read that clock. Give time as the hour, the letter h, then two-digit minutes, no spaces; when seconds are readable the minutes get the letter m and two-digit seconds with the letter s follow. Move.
10h15
